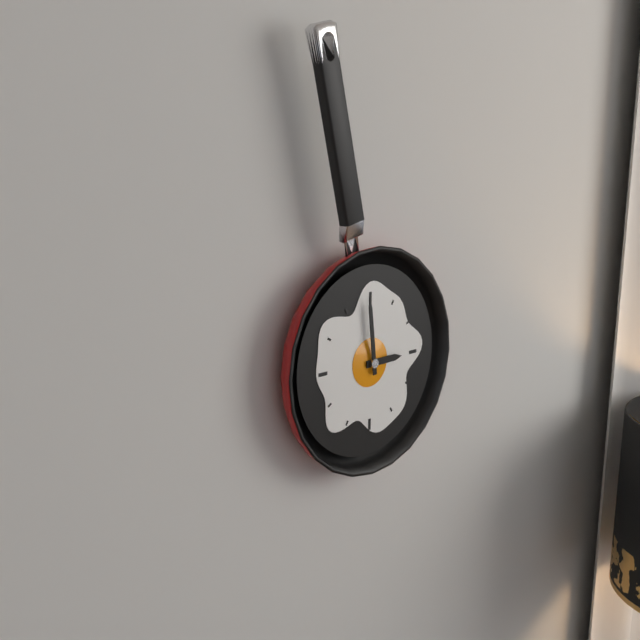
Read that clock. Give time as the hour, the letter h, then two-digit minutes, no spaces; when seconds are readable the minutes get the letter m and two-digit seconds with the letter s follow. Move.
2h59
